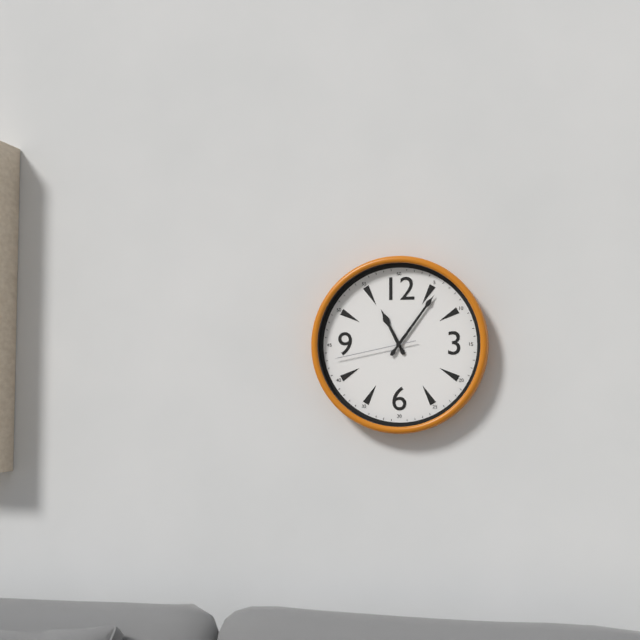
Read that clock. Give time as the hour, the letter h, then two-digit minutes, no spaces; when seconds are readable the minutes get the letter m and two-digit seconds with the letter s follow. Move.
11h06m43s
